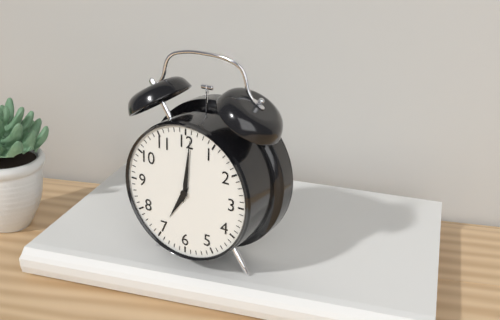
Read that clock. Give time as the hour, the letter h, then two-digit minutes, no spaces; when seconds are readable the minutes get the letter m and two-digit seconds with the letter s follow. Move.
7h01
